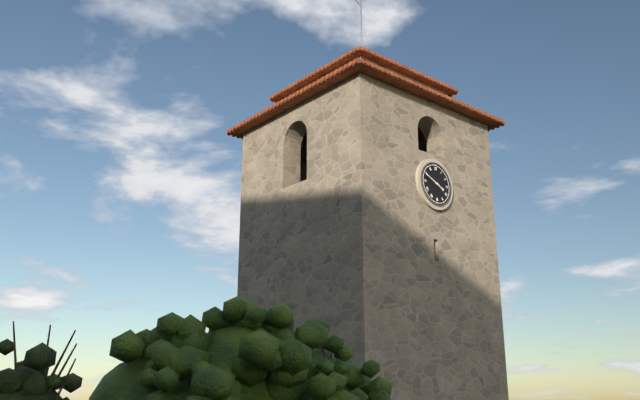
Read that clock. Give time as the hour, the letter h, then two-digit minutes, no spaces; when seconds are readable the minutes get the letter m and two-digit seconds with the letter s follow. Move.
3h49
